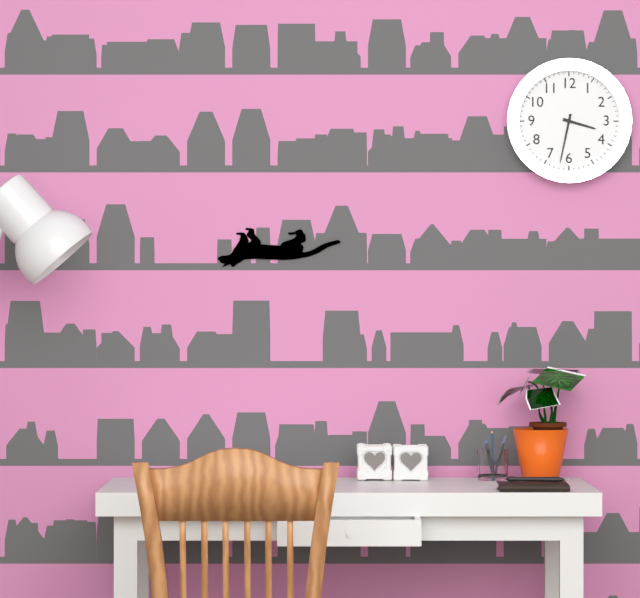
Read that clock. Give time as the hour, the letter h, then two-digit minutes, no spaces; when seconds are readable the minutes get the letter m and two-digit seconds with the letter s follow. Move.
3h32
